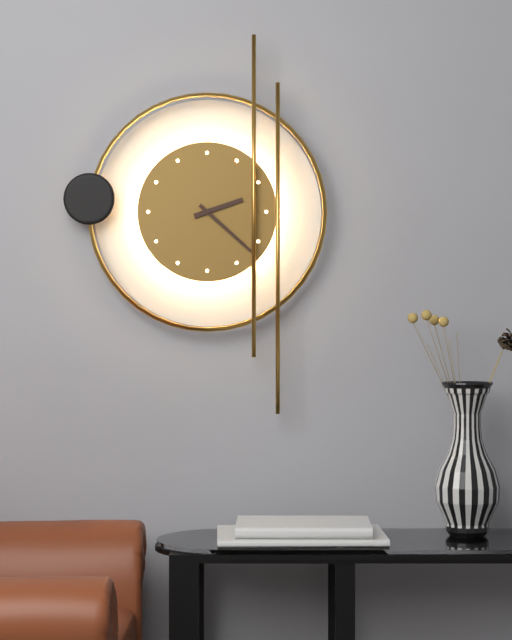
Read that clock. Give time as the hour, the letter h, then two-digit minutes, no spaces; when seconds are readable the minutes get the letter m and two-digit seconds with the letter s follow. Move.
2h22
